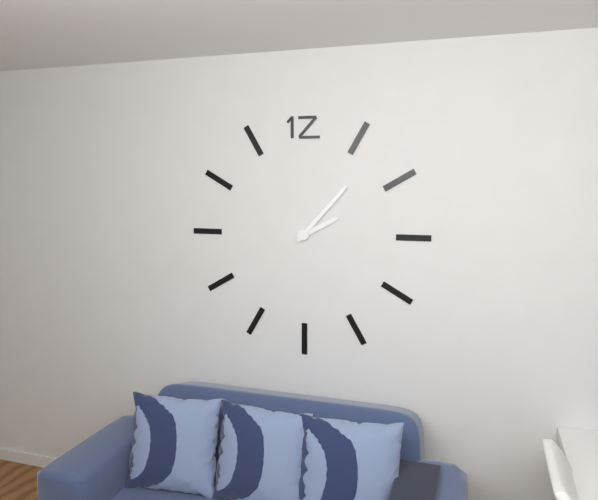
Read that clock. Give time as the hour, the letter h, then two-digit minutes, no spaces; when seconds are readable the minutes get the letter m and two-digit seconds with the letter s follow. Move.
2h07
